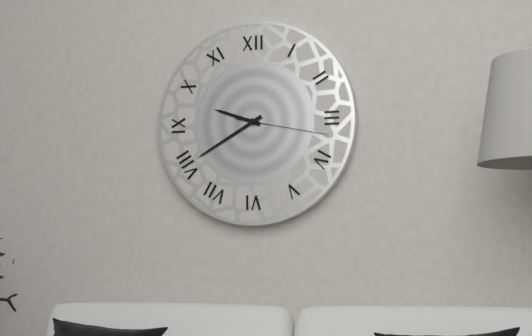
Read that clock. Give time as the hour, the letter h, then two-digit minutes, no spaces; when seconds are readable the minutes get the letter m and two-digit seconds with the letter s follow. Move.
9h40m17s
